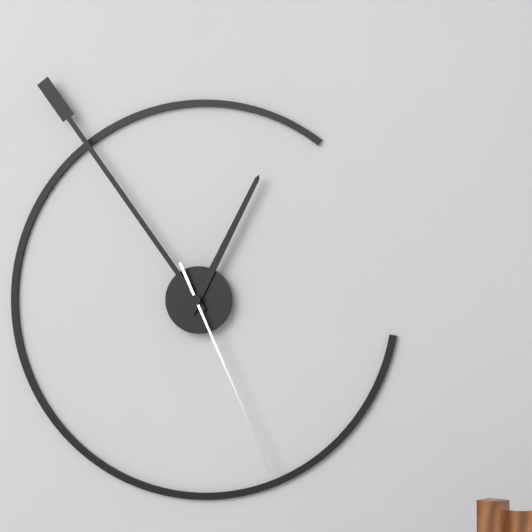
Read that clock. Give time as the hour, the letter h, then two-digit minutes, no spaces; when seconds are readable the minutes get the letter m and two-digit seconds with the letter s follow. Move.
12h54m26s
